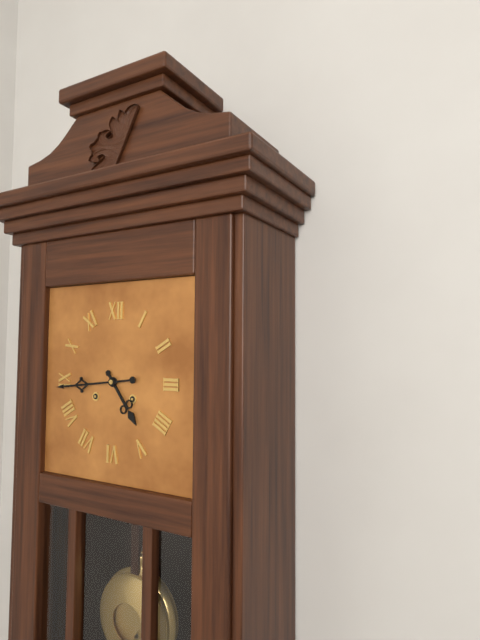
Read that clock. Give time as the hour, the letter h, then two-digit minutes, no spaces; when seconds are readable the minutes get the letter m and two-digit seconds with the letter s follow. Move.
4h44
